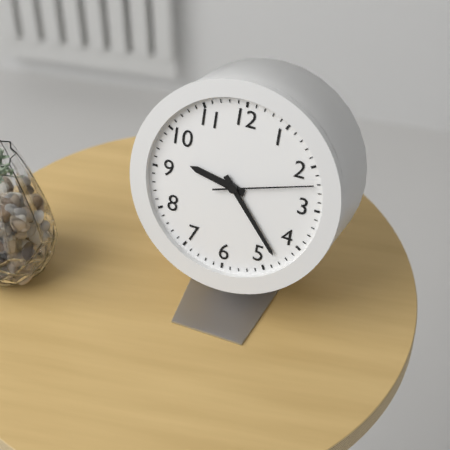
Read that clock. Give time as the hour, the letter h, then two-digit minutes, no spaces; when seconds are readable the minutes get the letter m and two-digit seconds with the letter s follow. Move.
9h23m12s
